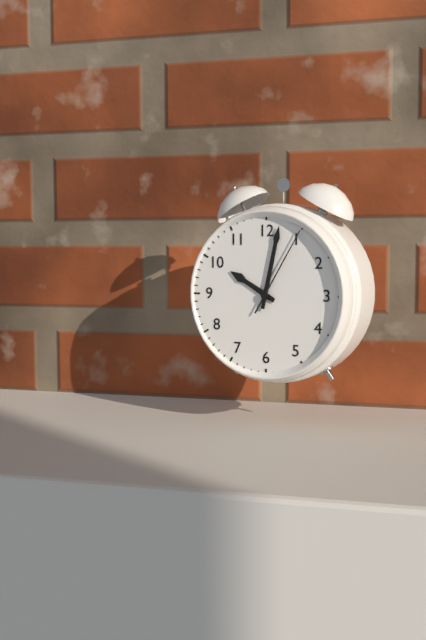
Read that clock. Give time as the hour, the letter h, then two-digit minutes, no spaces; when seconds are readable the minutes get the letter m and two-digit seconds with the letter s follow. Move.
10h02m05s
